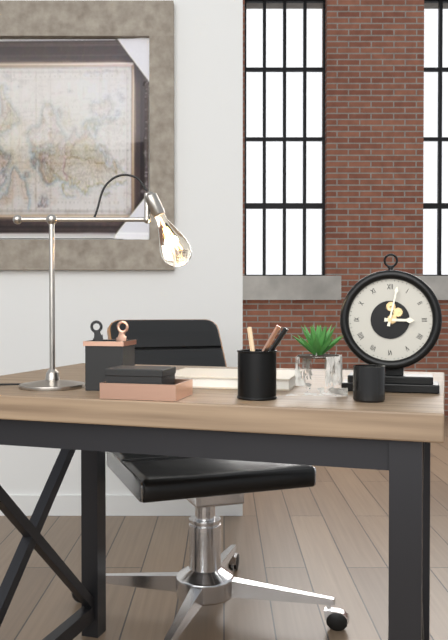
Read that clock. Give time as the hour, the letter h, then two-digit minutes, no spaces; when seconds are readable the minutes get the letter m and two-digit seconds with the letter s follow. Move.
3h02
